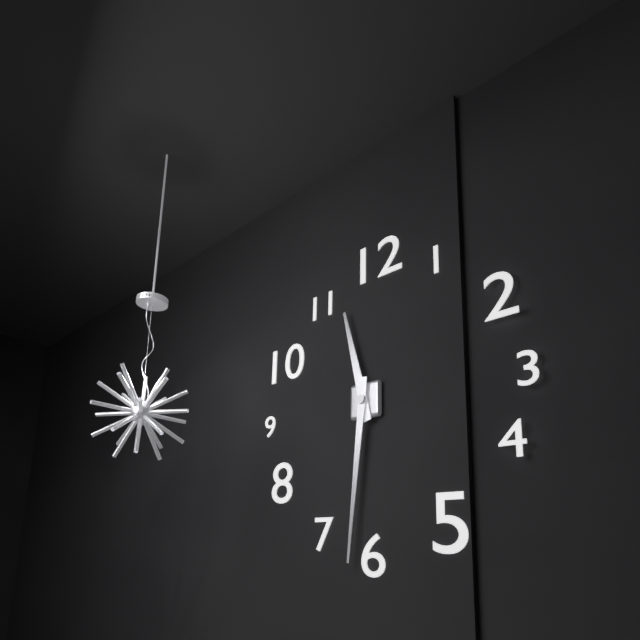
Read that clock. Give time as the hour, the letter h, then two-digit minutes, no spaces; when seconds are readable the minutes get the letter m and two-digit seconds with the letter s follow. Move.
11h31
